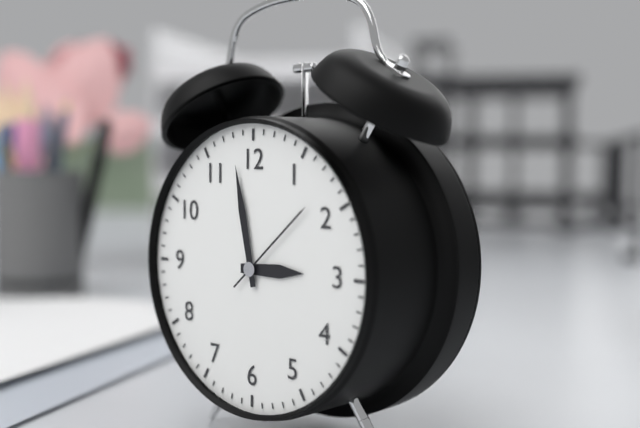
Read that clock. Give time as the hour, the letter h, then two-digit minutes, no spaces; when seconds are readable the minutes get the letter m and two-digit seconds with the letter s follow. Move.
2h58m08s
